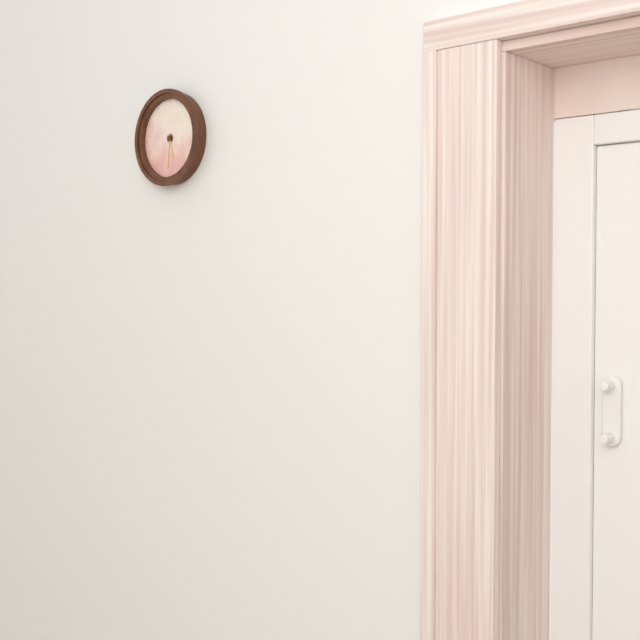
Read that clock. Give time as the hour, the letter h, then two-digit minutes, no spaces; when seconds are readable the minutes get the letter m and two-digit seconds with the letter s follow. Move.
5h31
